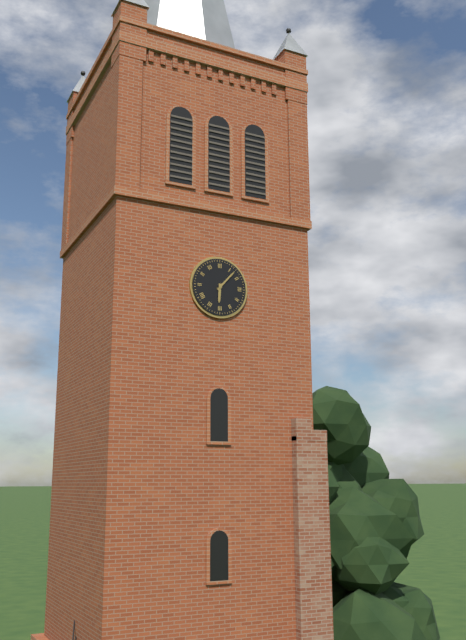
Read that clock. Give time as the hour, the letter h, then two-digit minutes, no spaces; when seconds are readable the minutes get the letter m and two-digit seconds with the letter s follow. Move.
6h07
